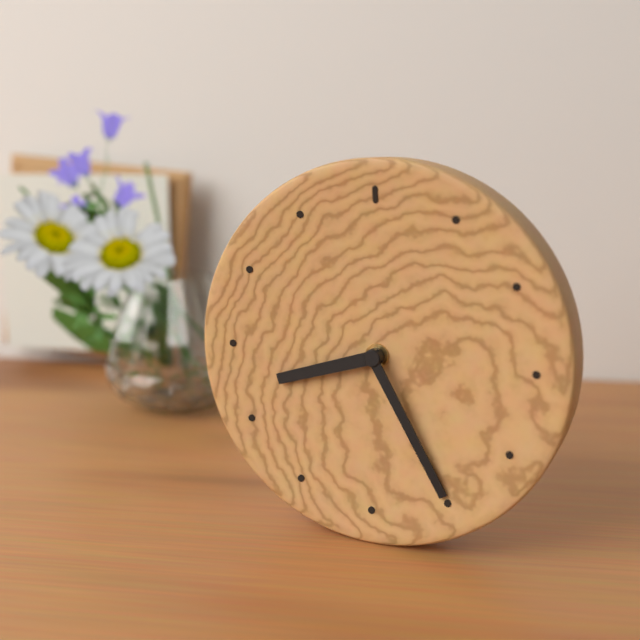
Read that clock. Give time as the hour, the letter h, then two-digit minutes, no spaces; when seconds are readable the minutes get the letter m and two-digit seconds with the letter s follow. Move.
8h25
